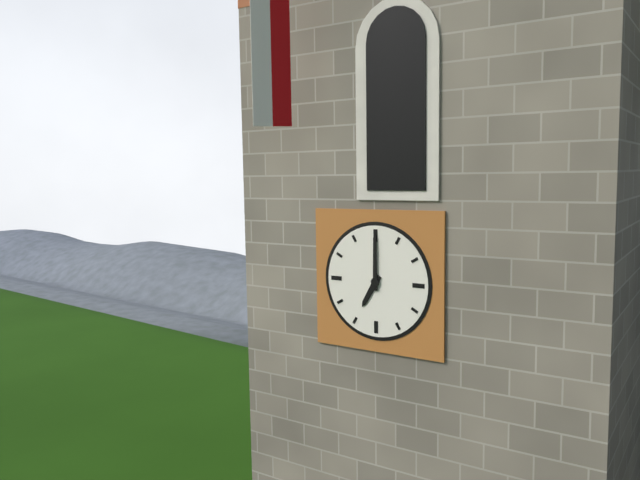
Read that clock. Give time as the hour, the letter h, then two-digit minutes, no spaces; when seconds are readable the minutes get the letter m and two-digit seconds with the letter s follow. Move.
7h00
